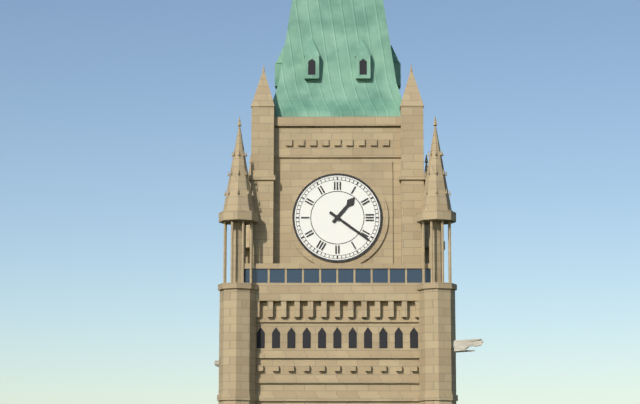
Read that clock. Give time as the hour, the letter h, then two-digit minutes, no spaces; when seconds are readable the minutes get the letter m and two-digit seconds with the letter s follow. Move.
1h21
